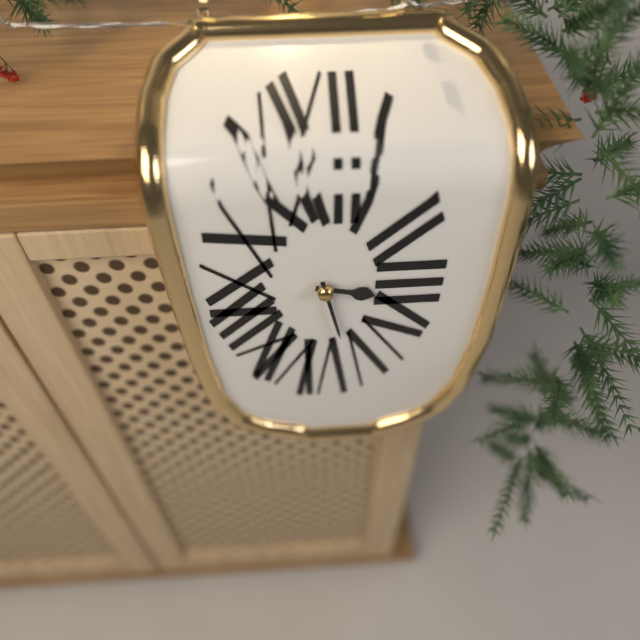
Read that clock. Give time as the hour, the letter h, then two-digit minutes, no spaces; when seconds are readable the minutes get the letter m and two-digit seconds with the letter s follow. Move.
3h28
